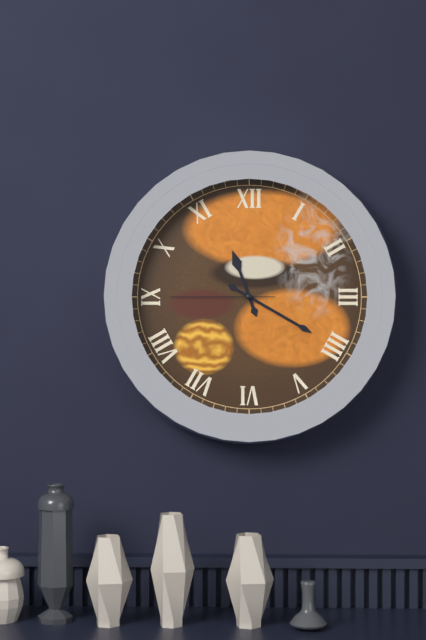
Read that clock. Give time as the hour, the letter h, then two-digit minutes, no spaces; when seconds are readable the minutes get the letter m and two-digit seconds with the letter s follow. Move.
11h20m45s
